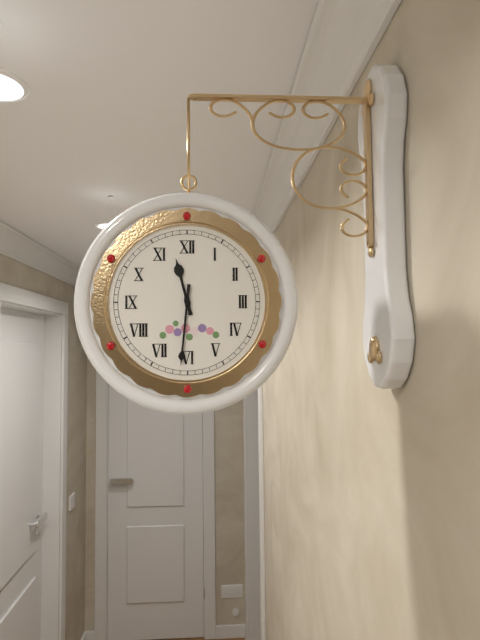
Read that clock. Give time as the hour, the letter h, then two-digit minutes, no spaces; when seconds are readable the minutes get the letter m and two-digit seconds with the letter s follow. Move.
11h31
